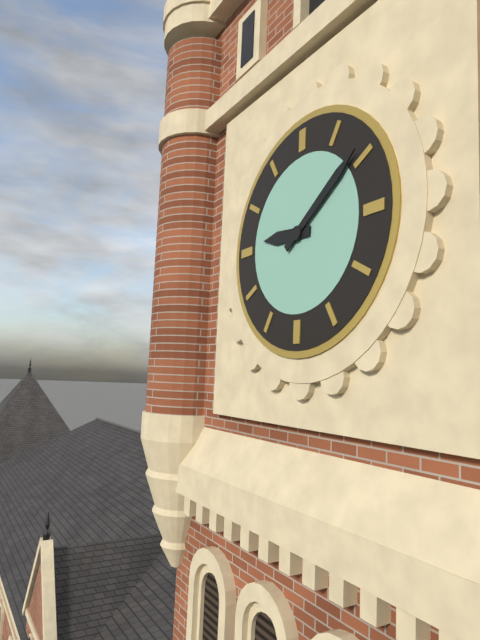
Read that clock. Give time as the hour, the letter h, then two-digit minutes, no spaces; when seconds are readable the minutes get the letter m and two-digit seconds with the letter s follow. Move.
9h09
